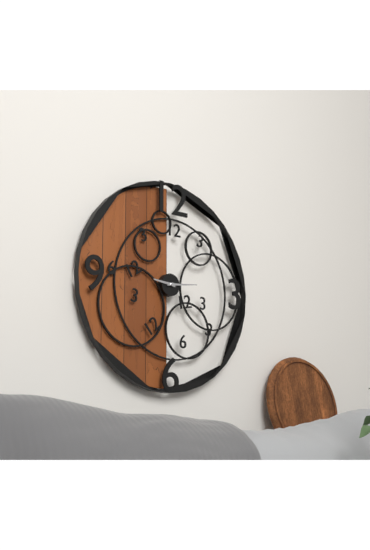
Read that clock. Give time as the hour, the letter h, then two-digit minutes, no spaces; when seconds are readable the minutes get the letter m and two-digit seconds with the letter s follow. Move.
9h14
